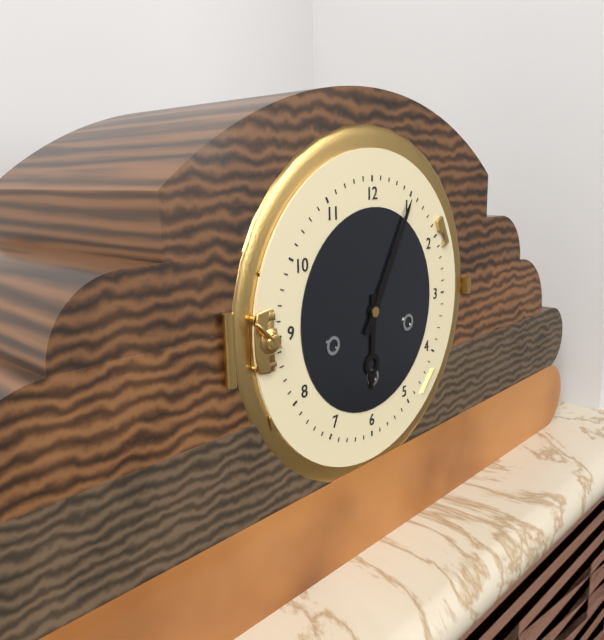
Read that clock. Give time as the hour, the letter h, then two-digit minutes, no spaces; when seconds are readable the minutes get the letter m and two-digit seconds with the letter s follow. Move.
6h05
